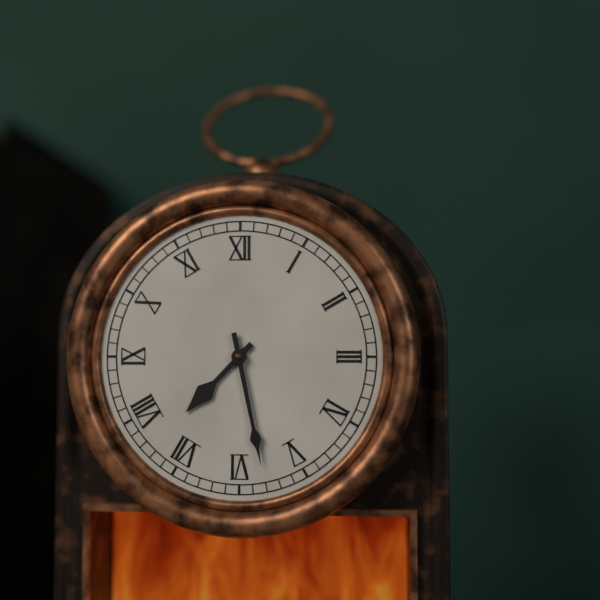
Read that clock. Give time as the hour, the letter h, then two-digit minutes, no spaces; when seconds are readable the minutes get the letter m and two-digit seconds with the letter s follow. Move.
7h28
